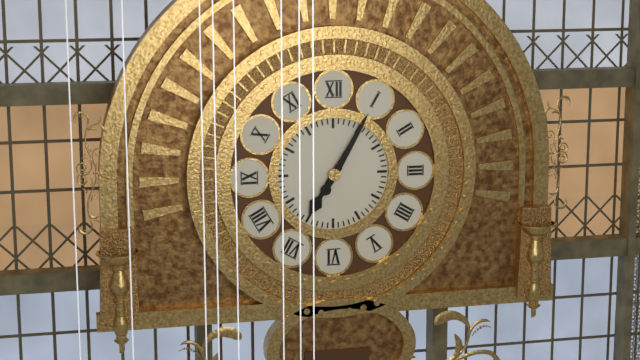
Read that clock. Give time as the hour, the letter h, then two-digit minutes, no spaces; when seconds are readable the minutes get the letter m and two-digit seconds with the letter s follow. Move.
7h05
